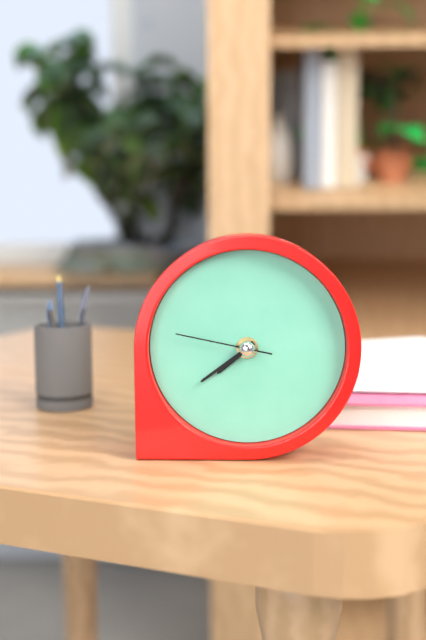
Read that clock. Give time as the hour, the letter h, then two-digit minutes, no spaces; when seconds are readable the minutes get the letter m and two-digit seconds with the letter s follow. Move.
7h39m47s
